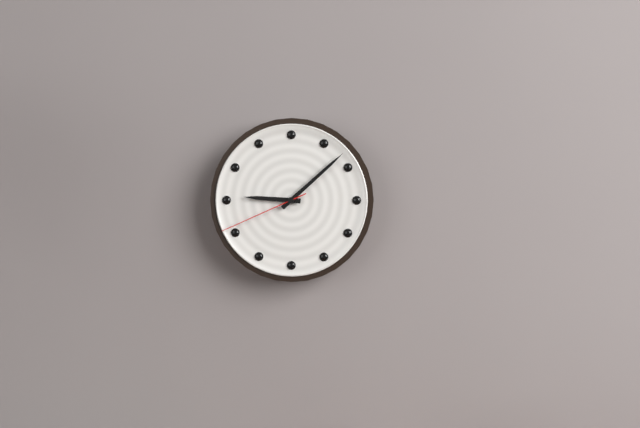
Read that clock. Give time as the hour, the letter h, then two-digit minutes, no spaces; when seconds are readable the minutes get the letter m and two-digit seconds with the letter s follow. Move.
9h08m41s
